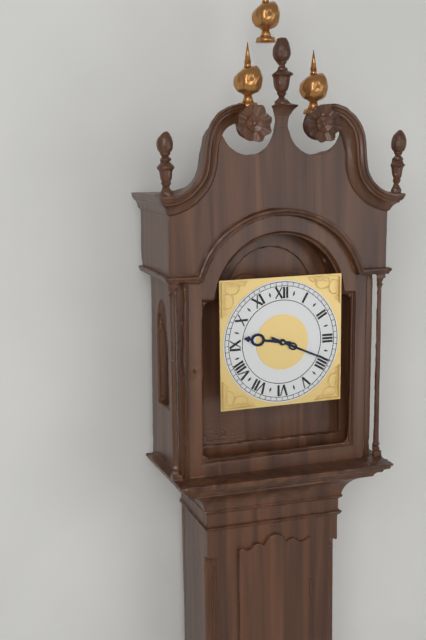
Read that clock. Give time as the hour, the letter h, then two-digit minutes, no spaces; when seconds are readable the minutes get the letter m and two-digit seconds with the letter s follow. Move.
9h19
